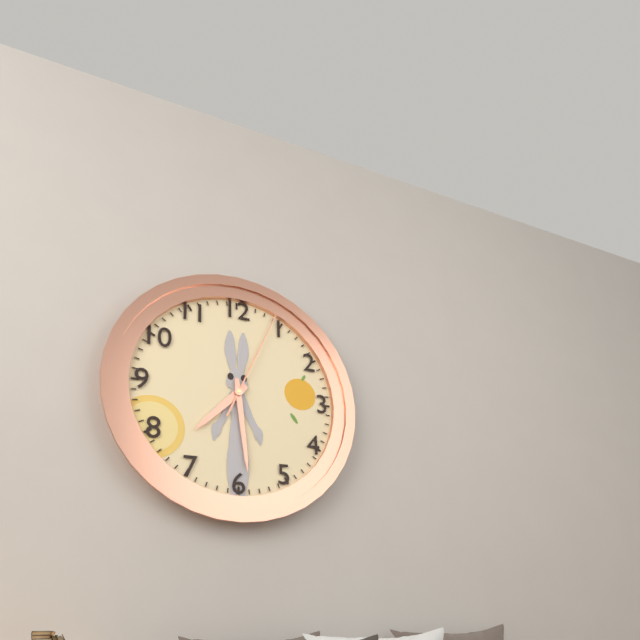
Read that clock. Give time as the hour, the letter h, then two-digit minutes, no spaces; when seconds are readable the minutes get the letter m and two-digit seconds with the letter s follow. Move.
7h29m04s
